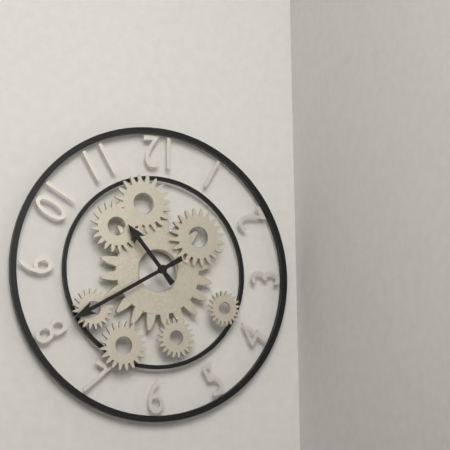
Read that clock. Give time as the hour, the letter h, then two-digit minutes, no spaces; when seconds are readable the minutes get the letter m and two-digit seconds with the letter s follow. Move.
10h40
